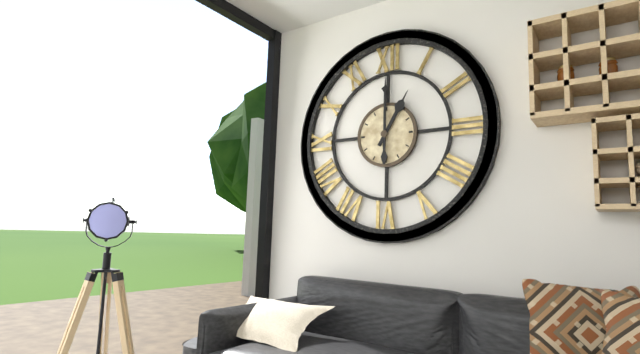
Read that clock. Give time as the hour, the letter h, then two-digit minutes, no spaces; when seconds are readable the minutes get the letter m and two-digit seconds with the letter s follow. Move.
1h00
